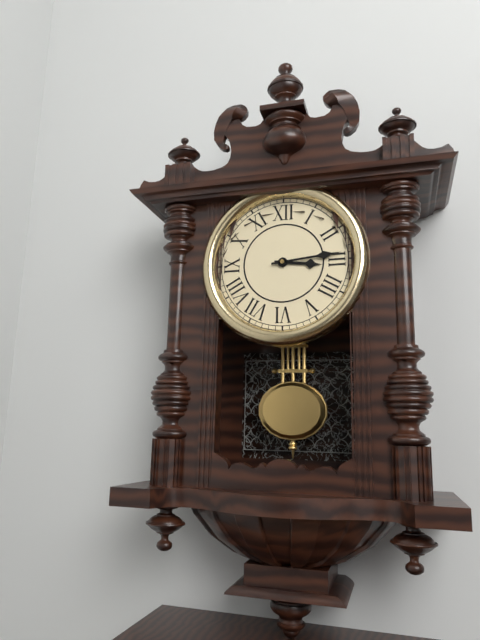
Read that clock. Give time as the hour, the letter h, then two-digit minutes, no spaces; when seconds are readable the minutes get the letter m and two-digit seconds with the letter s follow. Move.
3h14
